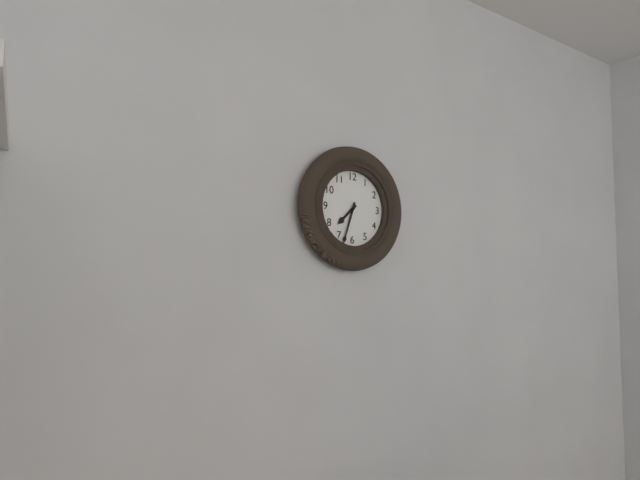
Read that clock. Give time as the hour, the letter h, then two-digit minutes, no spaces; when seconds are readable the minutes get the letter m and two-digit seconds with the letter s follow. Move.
7h33
